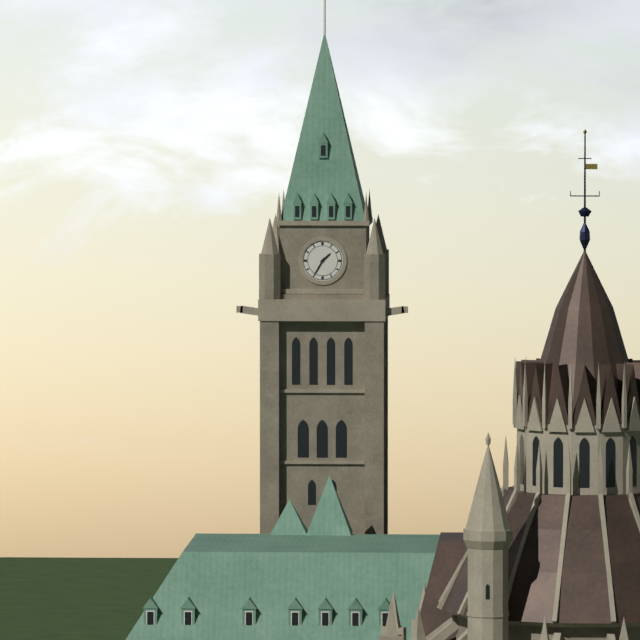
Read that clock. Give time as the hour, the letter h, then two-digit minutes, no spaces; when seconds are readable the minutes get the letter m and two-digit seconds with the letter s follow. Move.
1h35
